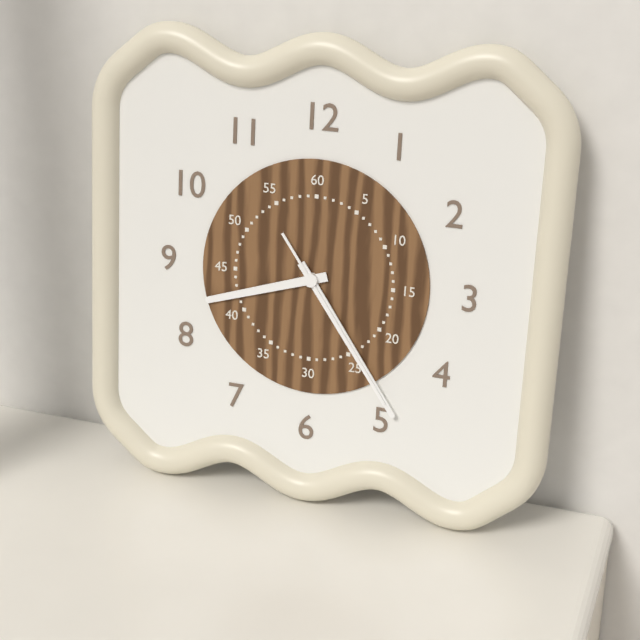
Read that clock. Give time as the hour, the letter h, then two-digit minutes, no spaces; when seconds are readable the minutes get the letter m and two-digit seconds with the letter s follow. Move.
8h24m24s
